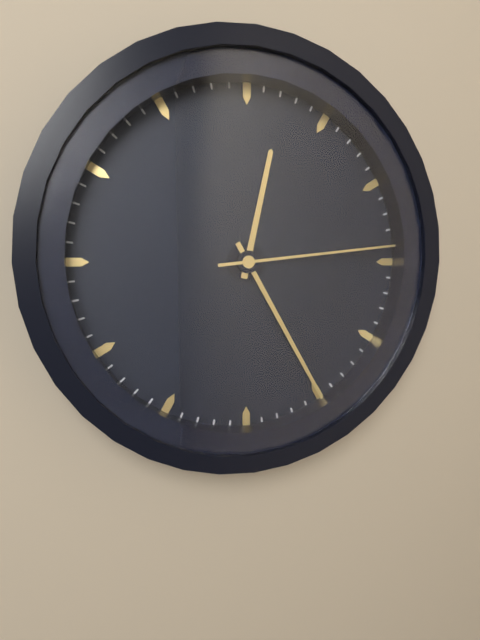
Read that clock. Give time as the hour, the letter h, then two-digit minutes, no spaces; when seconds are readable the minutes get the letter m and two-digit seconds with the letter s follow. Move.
12h25m14s
